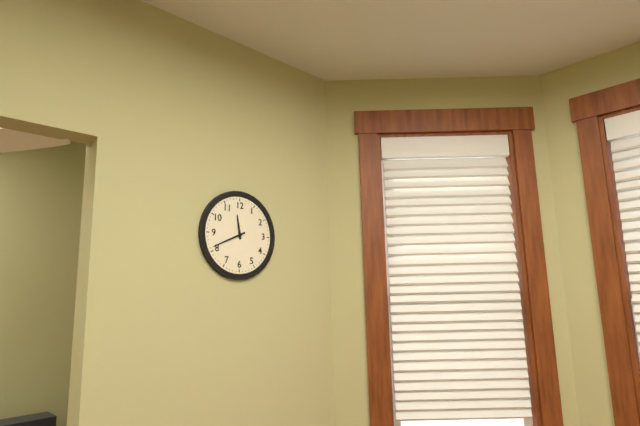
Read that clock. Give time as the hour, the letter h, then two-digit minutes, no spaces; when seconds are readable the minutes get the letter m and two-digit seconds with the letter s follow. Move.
11h41
